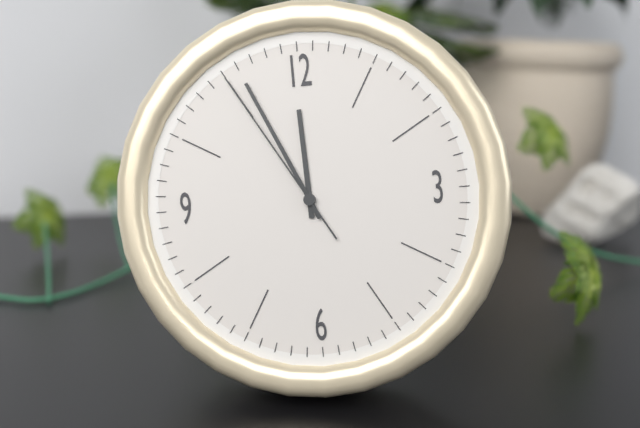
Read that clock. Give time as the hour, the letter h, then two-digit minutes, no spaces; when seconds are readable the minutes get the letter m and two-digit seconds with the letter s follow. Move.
11h56m55s
